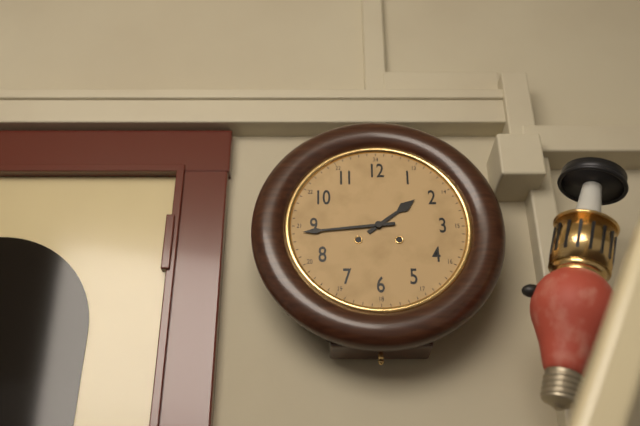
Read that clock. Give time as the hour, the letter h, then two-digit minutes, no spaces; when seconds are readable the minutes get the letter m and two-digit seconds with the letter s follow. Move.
1h44
